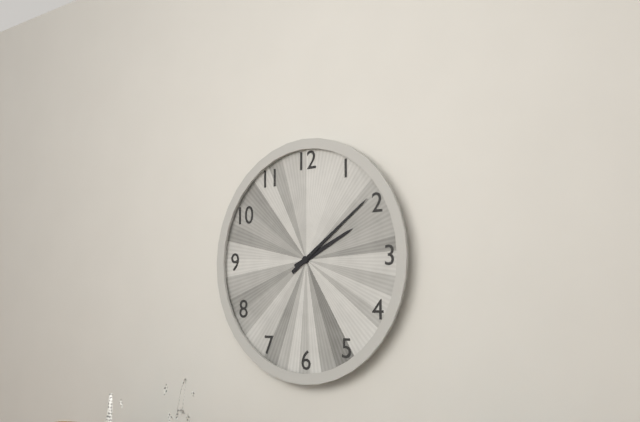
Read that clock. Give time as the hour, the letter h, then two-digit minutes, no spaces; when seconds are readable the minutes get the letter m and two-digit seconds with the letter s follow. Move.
2h09
